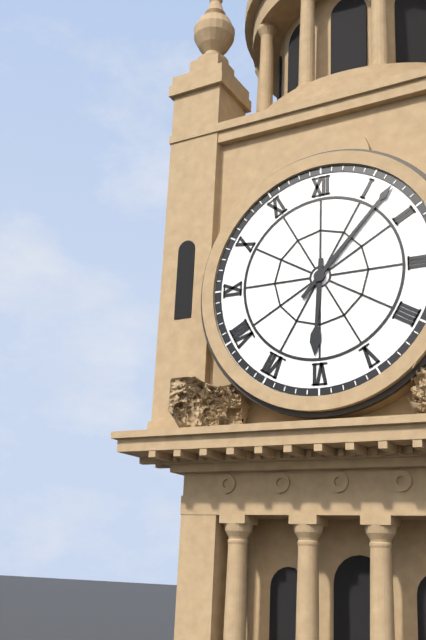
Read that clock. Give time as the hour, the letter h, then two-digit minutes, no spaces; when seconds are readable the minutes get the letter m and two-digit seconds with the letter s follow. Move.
6h07
